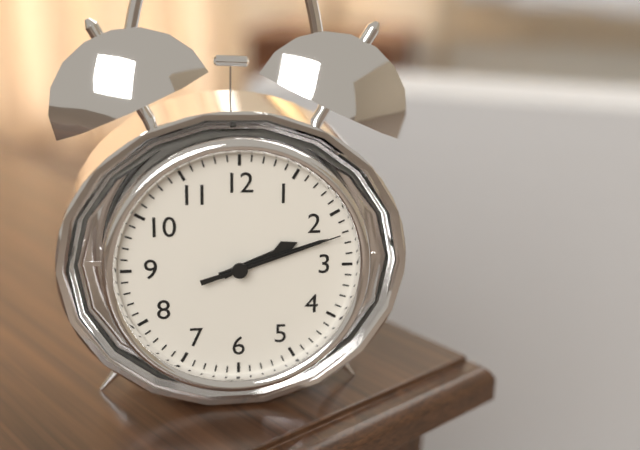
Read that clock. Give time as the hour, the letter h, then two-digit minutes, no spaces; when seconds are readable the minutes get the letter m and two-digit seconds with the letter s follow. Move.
2h12m12s
